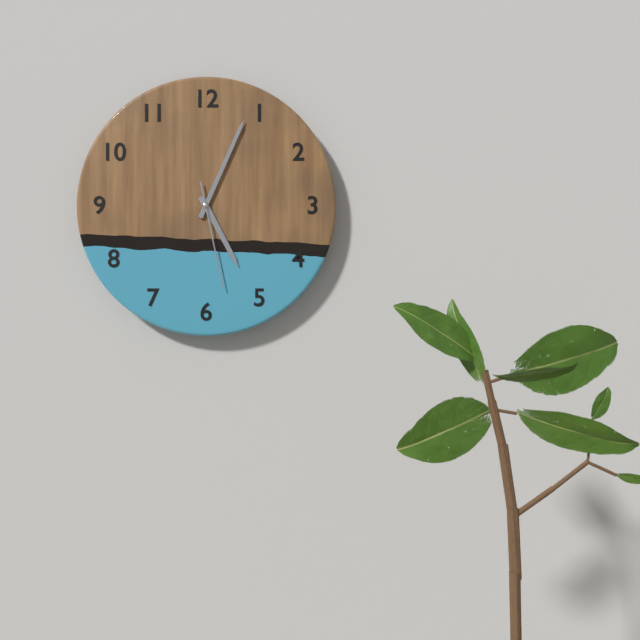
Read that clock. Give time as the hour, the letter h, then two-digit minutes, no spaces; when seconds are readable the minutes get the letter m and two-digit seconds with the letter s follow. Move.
5h04m28s
